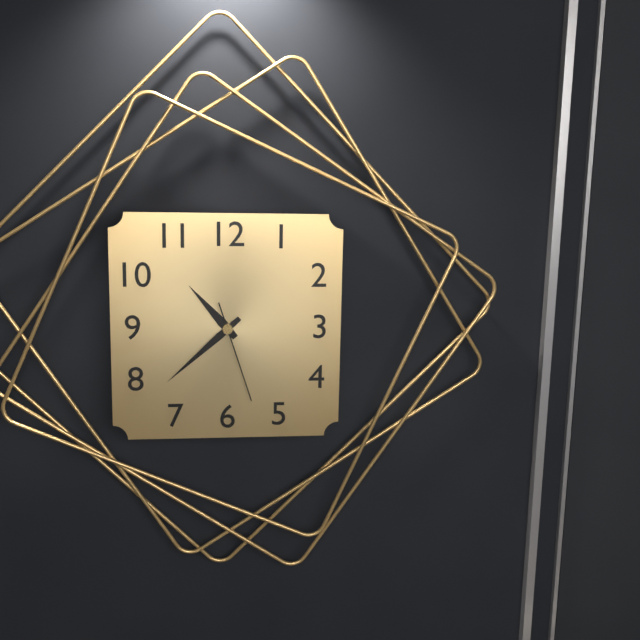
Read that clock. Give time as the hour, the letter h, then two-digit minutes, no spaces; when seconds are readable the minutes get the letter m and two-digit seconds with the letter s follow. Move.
10h38m27s
